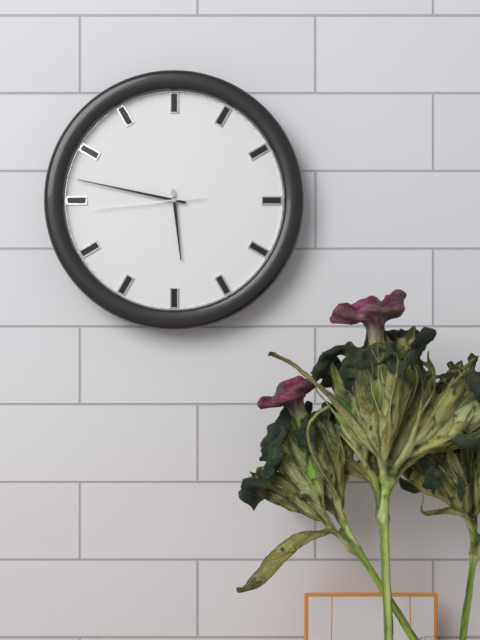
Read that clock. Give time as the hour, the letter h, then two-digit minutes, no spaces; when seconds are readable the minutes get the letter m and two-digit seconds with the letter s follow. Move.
5h47m44s
